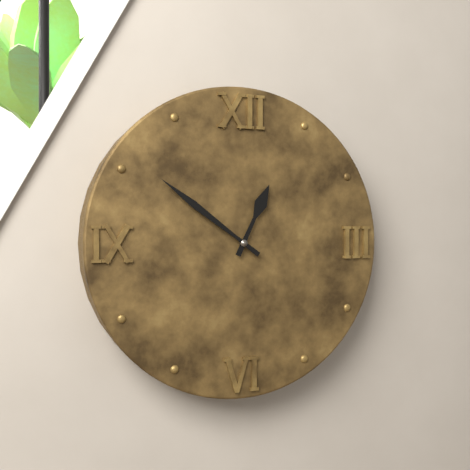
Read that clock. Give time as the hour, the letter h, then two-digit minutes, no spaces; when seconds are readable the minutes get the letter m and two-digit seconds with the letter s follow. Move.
12h51
